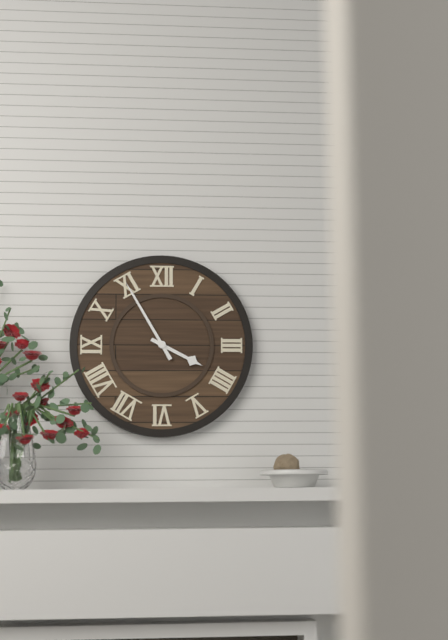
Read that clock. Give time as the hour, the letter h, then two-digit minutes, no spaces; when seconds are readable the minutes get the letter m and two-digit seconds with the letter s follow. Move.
3h55
